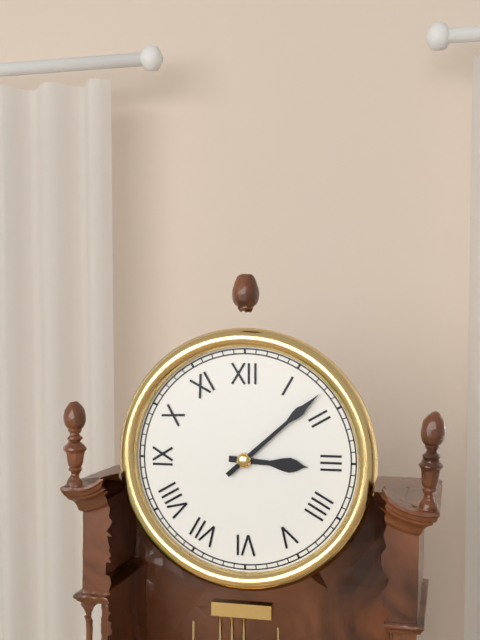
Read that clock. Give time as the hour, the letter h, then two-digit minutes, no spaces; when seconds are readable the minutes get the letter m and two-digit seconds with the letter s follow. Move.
3h08
